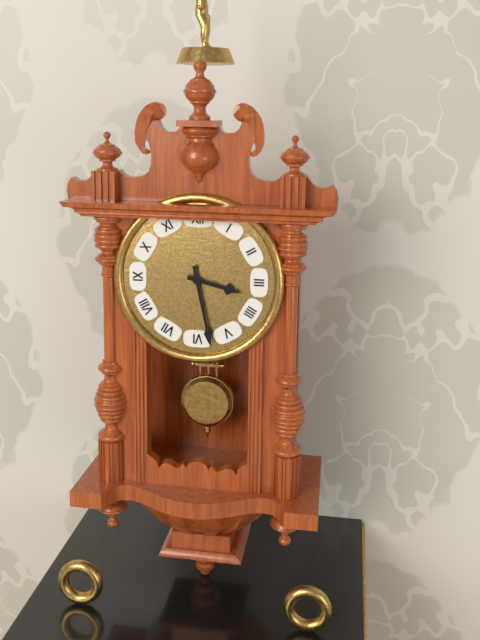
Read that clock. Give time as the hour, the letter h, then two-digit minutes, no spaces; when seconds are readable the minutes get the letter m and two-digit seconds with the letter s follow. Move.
3h28
